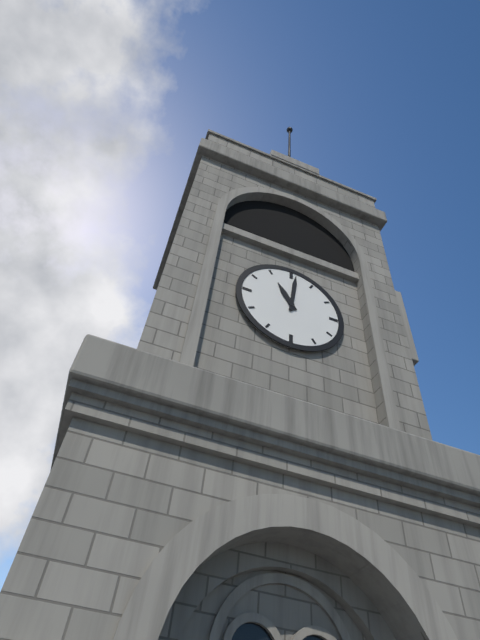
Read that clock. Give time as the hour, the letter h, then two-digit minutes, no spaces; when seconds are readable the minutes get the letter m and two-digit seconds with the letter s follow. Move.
11h01
